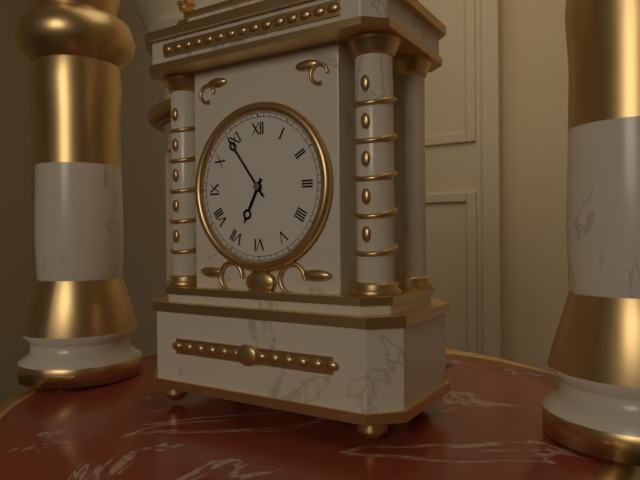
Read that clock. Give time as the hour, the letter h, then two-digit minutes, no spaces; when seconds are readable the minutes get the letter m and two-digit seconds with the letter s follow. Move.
6h54
